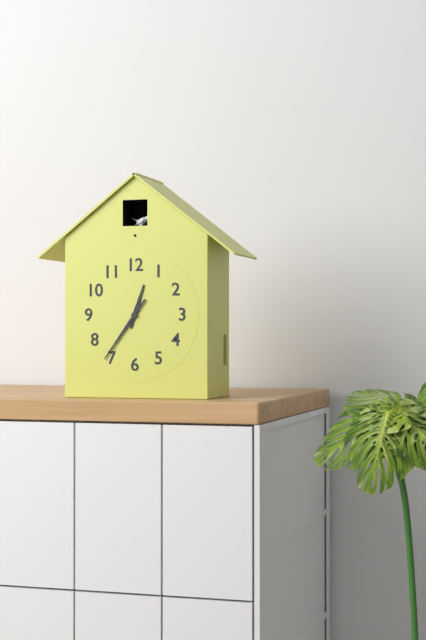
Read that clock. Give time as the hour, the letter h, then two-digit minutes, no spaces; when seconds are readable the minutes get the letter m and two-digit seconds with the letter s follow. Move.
12h36
